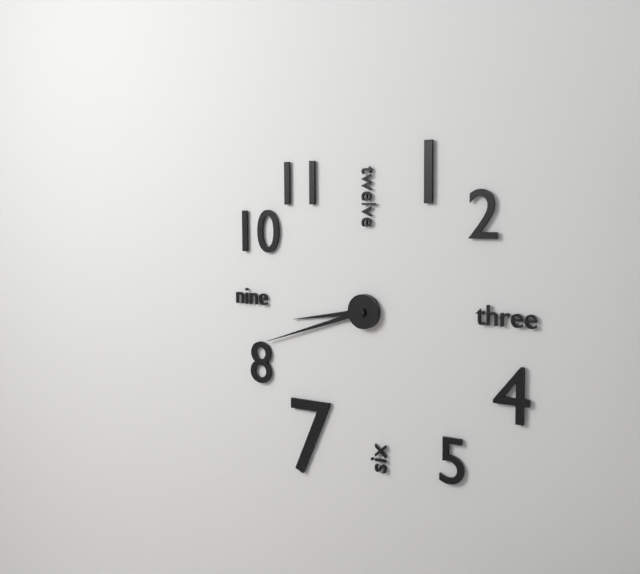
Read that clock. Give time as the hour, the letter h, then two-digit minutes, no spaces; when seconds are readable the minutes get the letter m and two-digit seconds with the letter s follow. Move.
8h42
